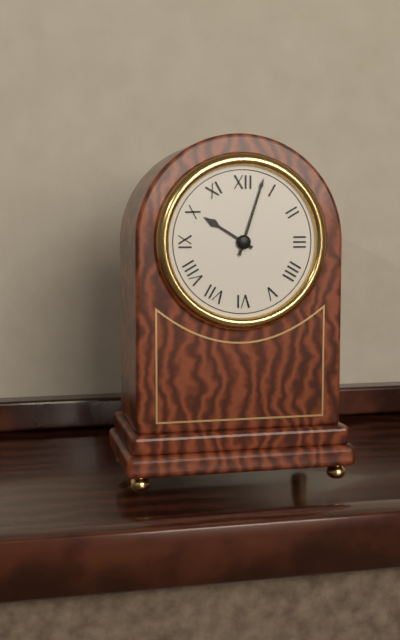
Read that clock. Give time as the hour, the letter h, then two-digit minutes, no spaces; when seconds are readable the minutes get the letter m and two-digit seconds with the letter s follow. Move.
10h03
